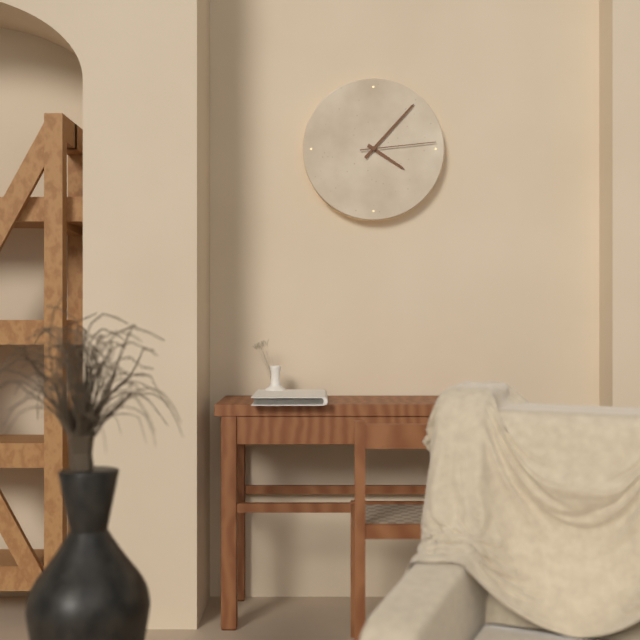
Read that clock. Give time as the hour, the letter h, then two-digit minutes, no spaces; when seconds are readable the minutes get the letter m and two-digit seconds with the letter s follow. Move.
4h07m14s
